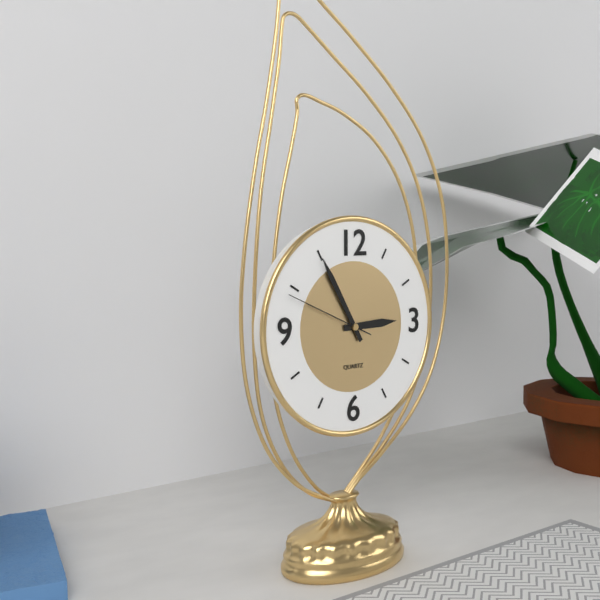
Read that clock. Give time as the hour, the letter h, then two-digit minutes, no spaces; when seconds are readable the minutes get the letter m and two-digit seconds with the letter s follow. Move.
2h55m49s
